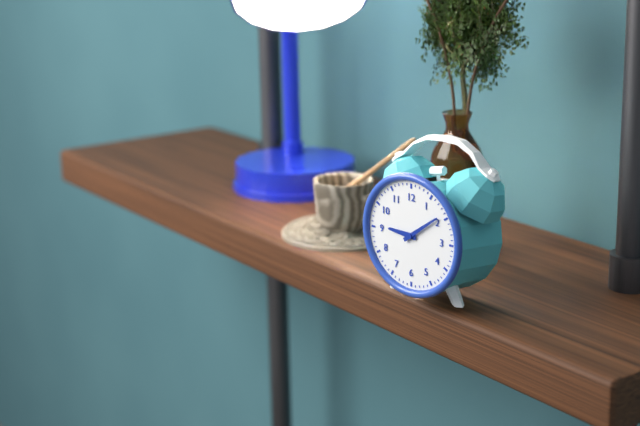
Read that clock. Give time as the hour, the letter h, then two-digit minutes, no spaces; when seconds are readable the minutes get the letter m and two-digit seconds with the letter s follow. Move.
9h09
